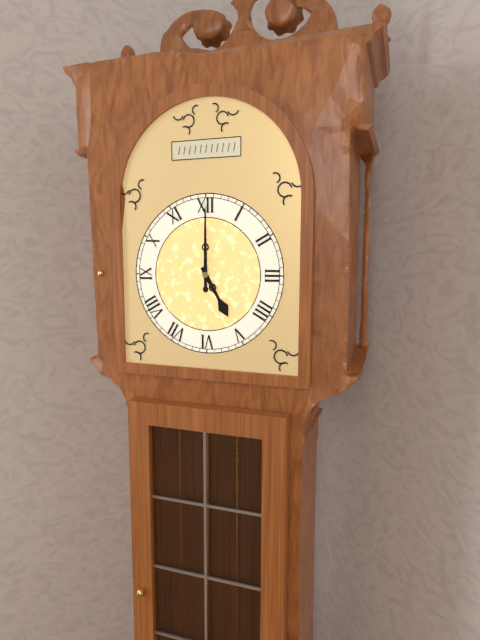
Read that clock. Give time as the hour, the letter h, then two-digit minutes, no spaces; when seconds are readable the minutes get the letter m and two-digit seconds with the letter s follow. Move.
5h00
